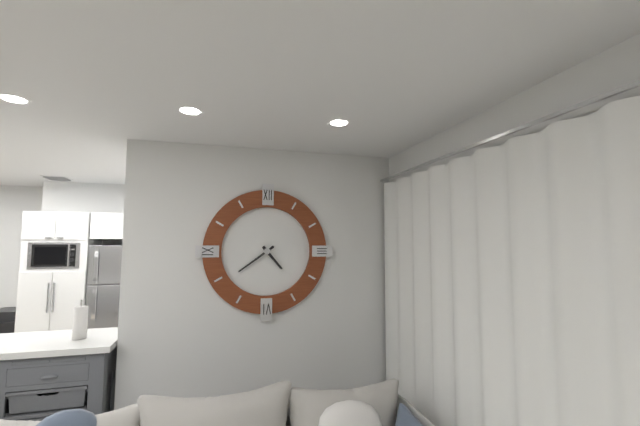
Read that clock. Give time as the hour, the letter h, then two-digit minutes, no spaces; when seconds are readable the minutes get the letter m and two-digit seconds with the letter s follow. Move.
4h39
